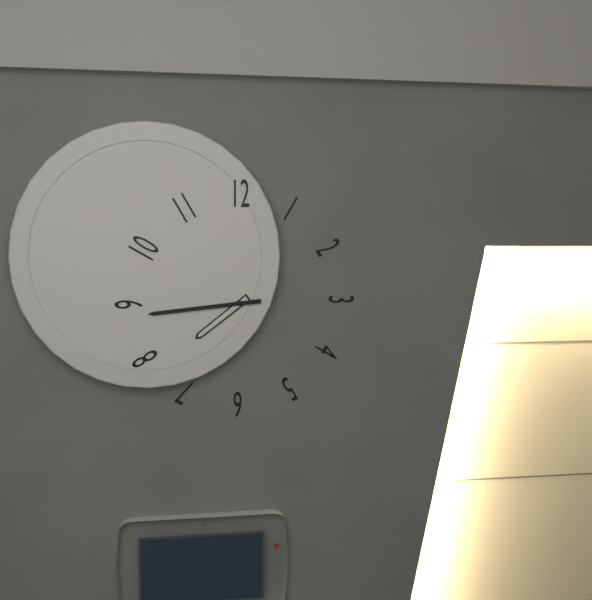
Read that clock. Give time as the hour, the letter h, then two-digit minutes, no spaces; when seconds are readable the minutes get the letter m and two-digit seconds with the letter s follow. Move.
7h44
